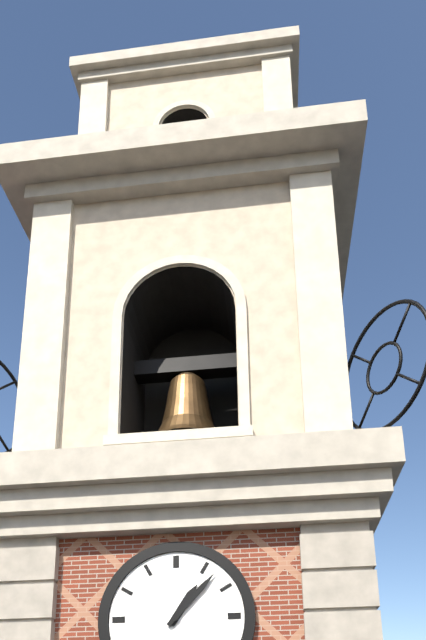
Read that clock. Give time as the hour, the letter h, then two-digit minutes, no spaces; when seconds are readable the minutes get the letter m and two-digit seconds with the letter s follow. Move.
1h07
